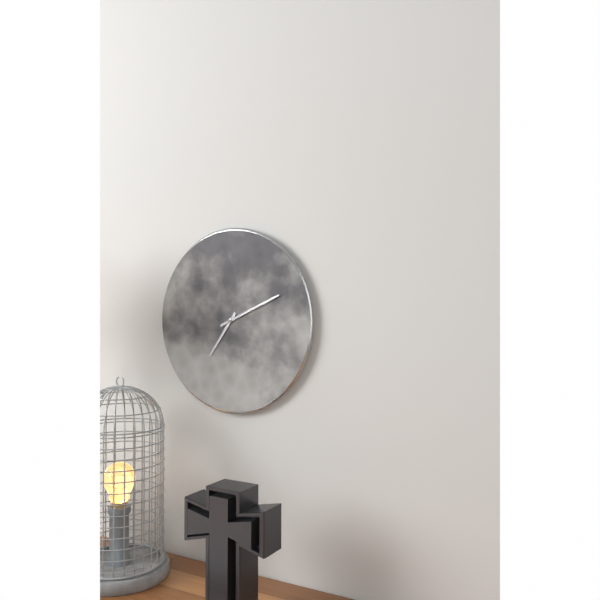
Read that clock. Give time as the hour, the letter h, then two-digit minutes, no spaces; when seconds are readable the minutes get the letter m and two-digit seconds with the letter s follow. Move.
7h11
